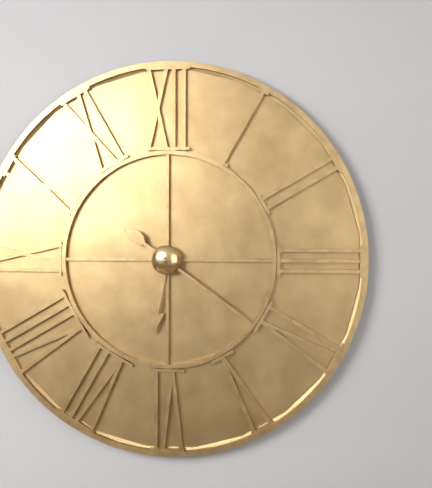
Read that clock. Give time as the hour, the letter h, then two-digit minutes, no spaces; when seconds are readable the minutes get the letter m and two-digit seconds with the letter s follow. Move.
6h21
